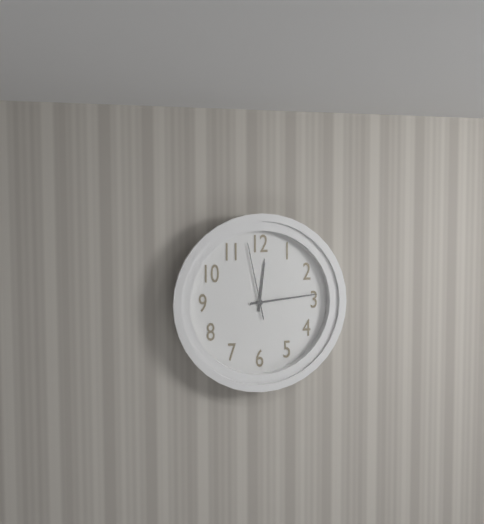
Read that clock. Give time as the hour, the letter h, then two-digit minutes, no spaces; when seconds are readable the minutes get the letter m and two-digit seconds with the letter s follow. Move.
12h14m58s
